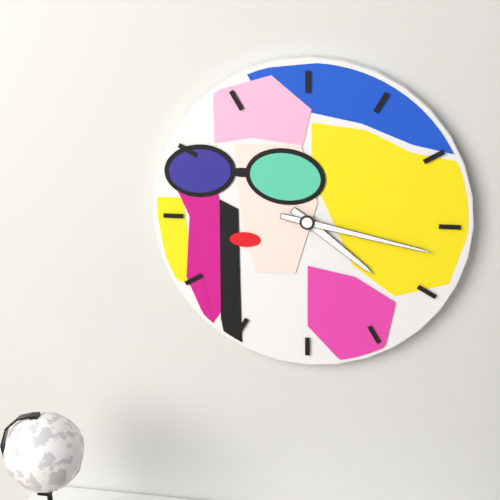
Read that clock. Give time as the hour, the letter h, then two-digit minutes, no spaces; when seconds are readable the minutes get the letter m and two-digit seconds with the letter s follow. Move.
4h17
